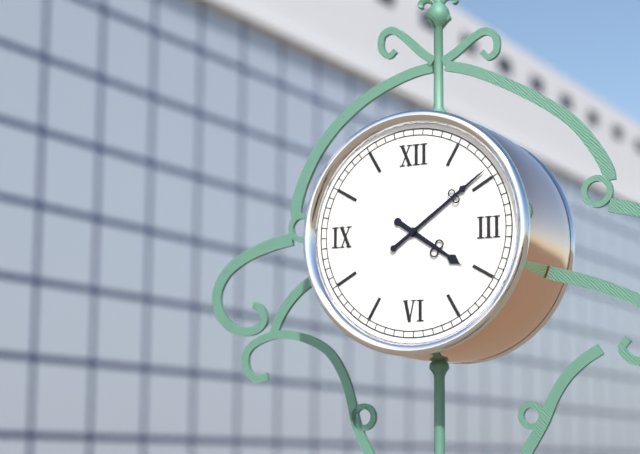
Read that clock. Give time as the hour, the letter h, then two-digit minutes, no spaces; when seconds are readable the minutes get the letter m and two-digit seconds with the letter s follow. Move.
4h09
